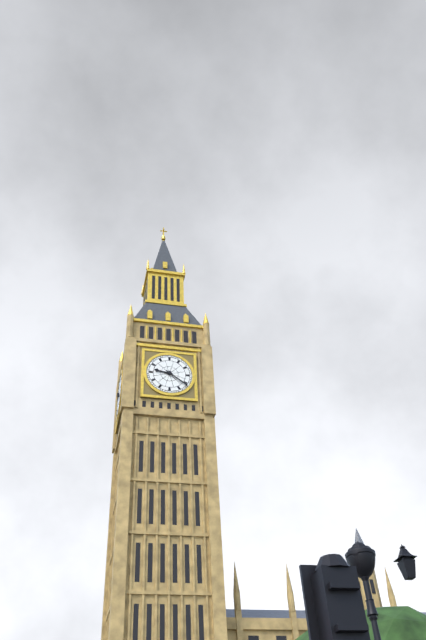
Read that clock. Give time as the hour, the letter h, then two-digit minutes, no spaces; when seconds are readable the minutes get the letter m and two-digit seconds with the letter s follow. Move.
9h21
